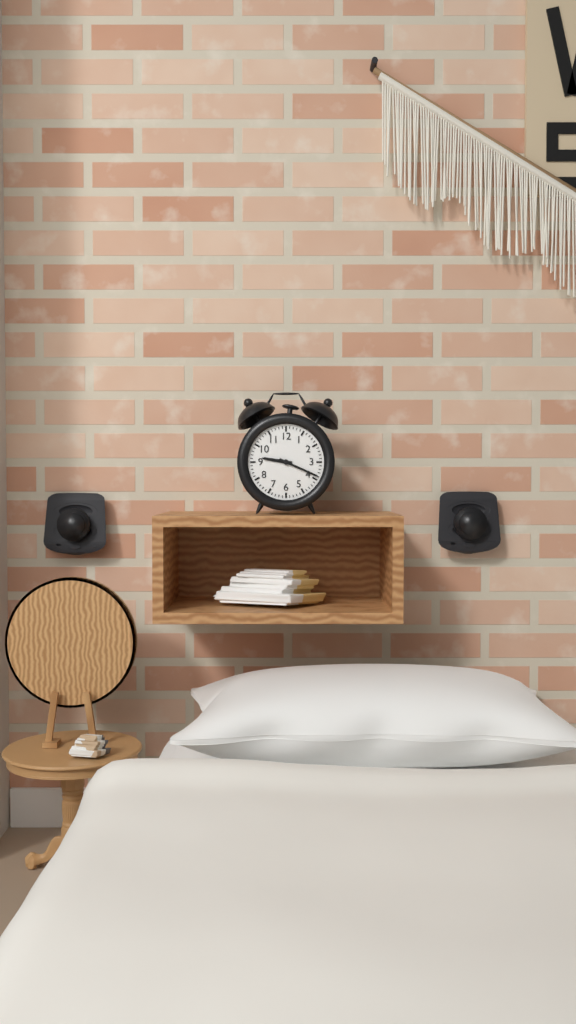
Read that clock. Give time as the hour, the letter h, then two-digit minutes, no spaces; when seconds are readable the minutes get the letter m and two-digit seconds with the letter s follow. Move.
9h19
